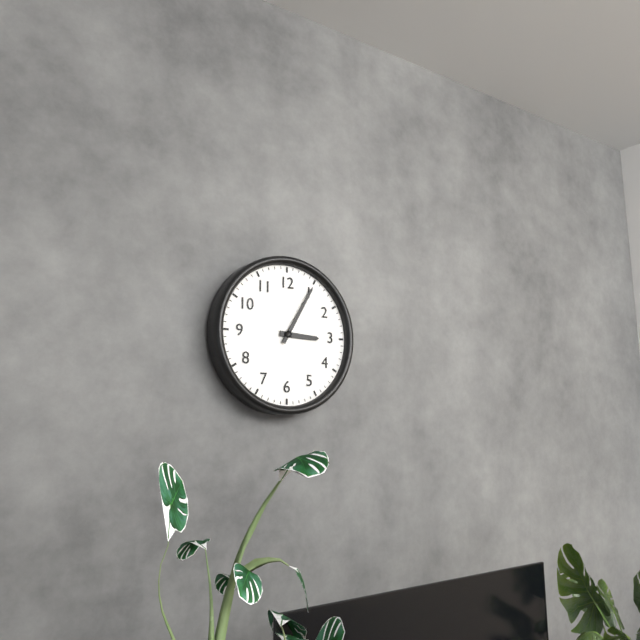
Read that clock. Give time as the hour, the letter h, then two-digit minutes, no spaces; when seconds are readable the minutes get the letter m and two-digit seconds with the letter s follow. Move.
3h05
